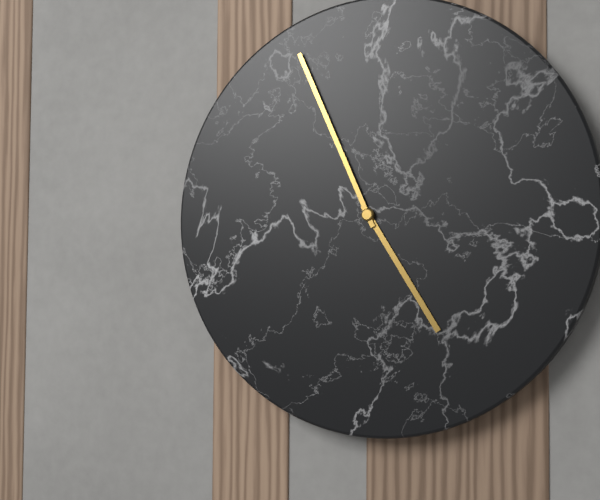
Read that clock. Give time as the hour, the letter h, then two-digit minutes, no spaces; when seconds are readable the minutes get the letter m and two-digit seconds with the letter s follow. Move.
4h56
